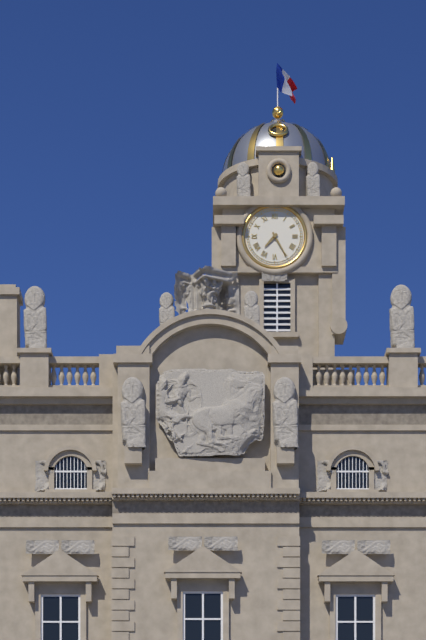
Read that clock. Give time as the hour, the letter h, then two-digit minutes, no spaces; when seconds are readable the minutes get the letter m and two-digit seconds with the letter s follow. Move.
7h25
